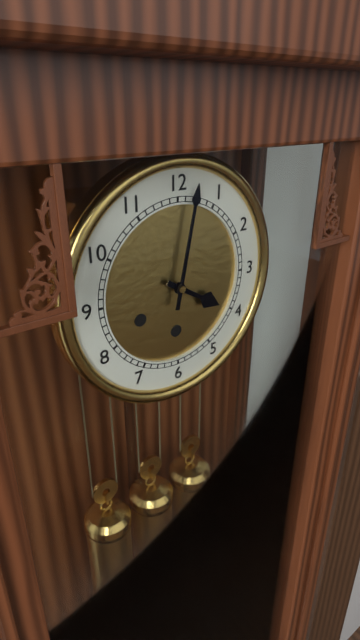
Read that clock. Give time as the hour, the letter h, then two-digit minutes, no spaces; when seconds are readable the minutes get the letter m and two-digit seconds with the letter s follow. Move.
4h02
